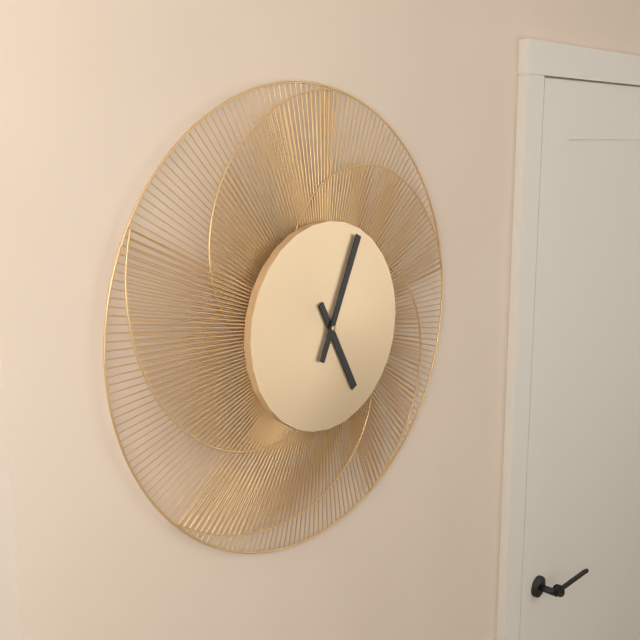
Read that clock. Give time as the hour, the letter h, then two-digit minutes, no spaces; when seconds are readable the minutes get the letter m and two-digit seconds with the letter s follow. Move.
5h04
